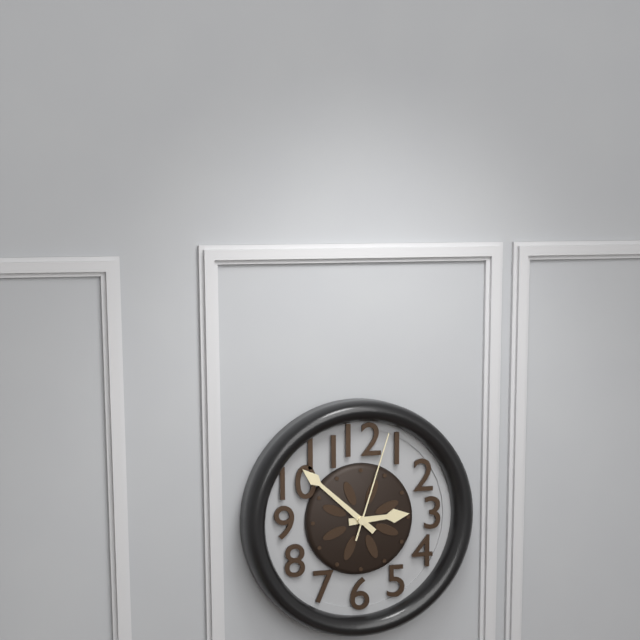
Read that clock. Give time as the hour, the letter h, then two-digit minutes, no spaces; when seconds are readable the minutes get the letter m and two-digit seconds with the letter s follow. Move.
2h52m03s
